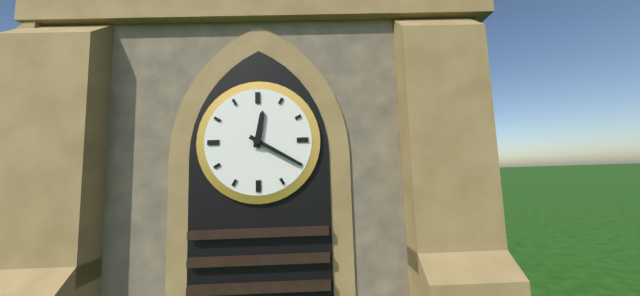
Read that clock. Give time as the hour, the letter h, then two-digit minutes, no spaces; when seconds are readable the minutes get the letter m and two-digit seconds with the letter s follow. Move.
12h20
